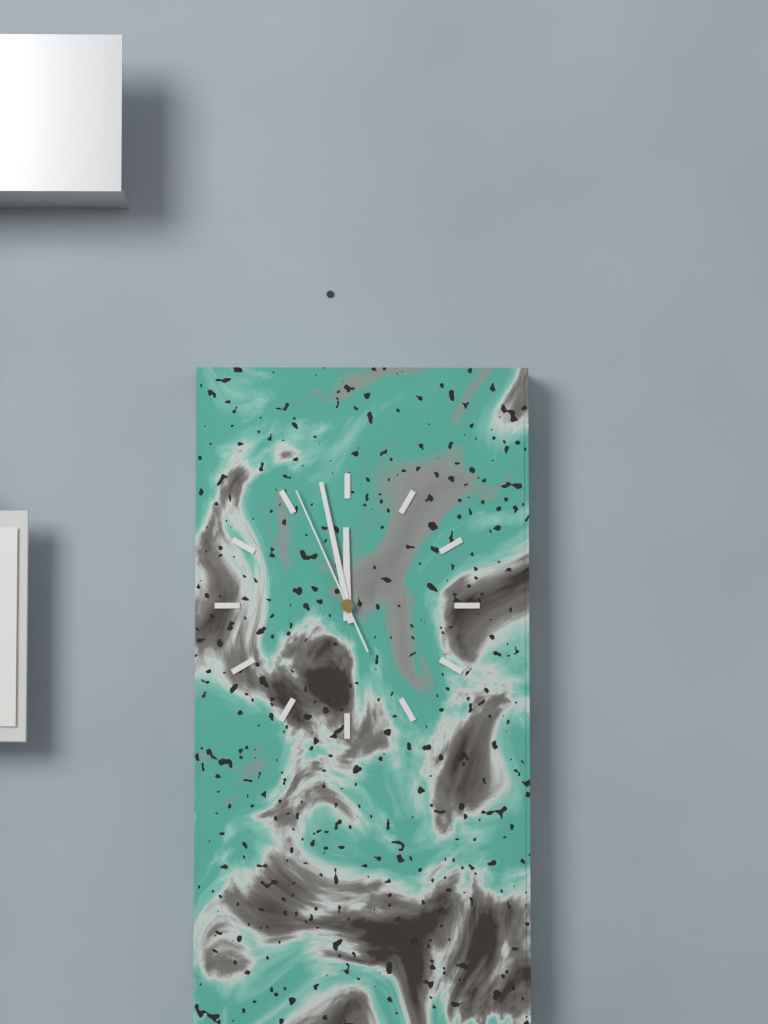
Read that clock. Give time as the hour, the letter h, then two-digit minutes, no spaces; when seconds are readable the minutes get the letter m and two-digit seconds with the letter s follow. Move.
11h58m56s
